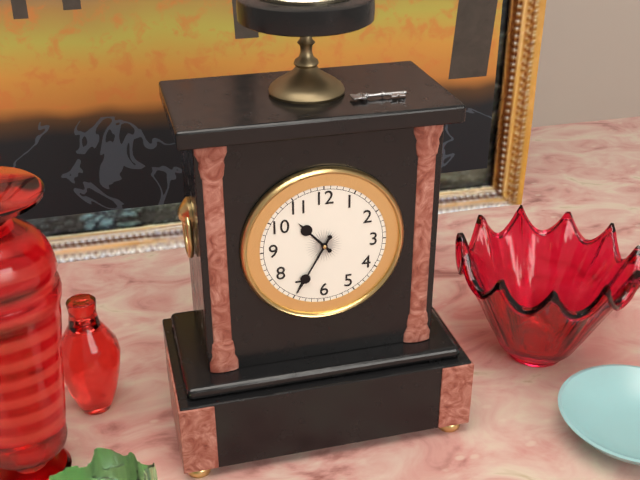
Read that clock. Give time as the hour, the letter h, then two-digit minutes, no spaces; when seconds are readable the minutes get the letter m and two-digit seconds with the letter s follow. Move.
10h35
